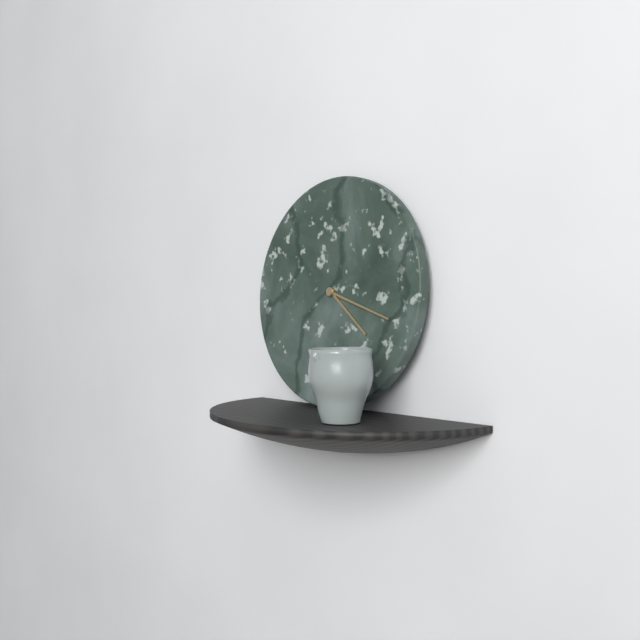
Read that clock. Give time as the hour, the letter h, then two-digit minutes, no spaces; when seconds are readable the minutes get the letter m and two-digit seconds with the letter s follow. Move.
4h18
